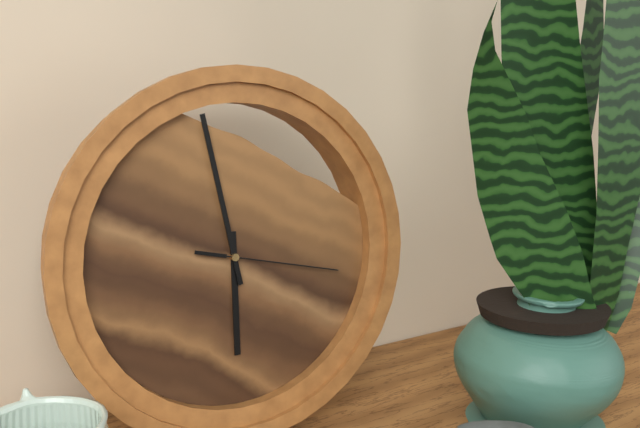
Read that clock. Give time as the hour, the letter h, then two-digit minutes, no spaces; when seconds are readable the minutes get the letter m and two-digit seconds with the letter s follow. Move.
5h58m17s
